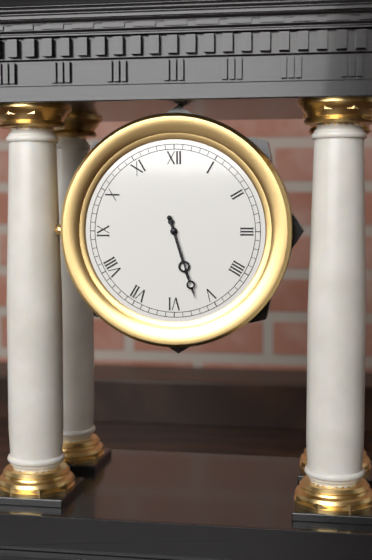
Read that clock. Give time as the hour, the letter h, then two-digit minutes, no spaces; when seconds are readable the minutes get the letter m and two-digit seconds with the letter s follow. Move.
5h27
